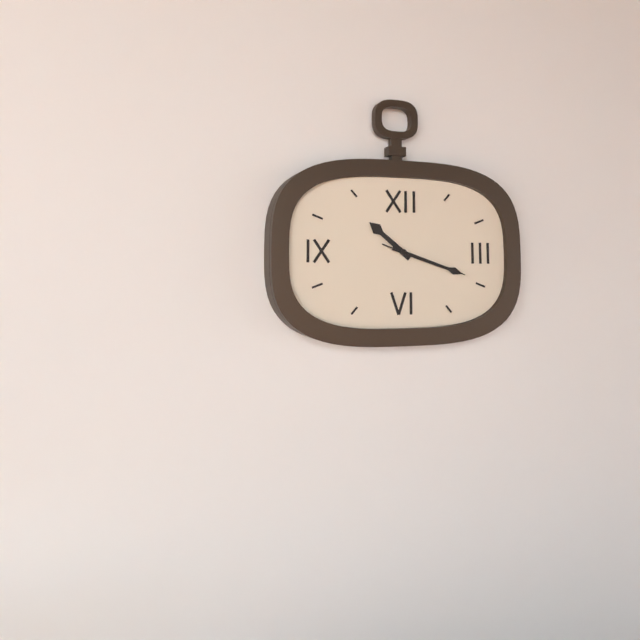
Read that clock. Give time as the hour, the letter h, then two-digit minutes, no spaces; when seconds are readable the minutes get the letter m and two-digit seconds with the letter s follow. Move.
10h18m18s
